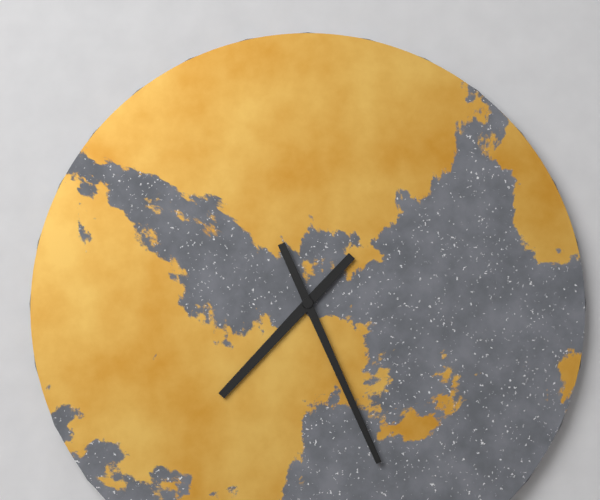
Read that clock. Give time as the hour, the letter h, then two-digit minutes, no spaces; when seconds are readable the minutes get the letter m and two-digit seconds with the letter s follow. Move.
7h26
